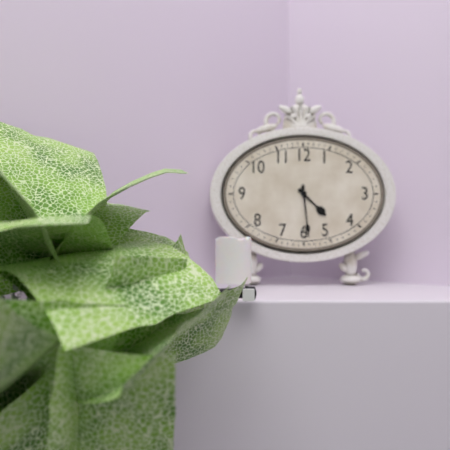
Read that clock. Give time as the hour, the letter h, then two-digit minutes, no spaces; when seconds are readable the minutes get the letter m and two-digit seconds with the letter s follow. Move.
4h29
